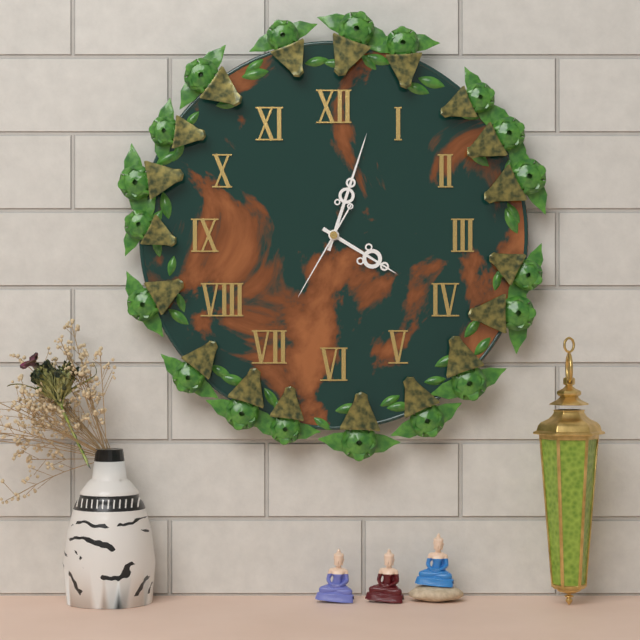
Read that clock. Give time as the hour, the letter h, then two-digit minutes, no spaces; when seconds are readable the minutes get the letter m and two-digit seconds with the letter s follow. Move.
4h03m35s
